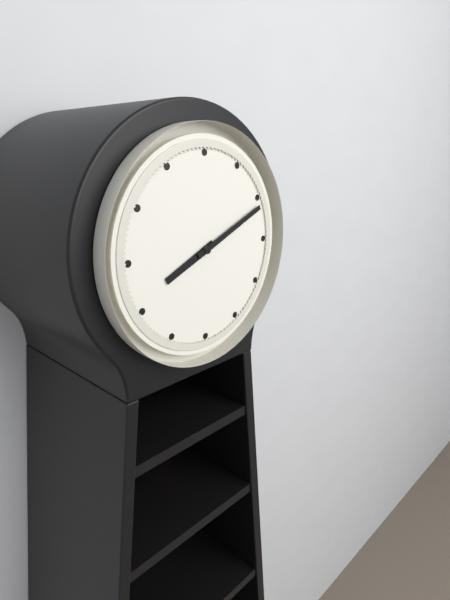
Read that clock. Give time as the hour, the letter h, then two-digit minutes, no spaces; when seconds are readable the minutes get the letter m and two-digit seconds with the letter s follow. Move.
8h11
